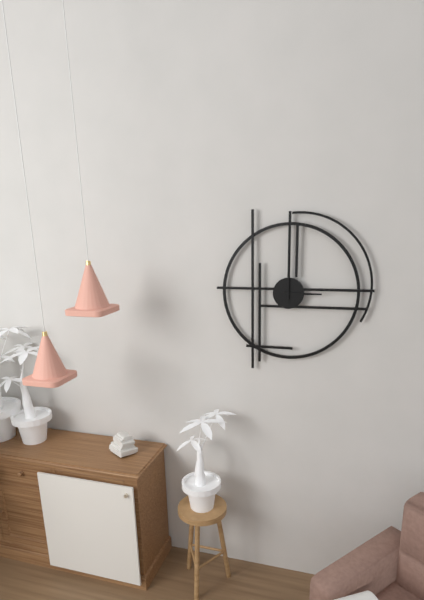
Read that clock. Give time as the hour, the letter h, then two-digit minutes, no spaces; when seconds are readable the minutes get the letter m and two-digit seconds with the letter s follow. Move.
3h00
